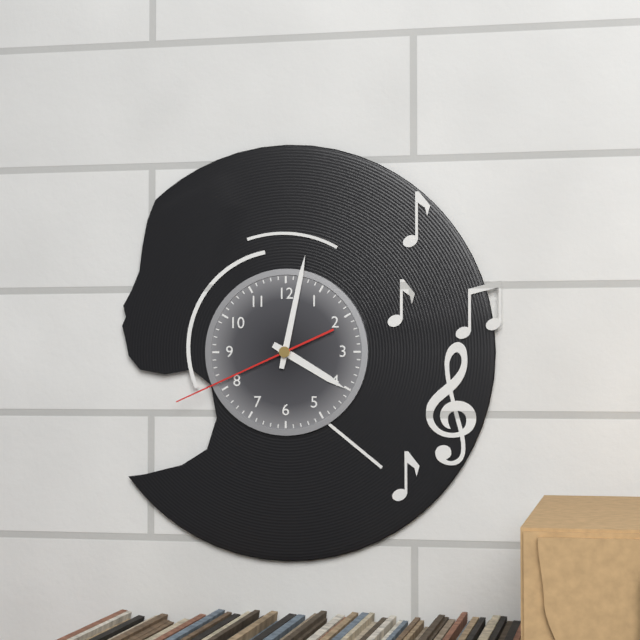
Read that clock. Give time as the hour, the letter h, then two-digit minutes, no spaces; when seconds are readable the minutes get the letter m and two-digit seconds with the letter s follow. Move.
4h02m41s
